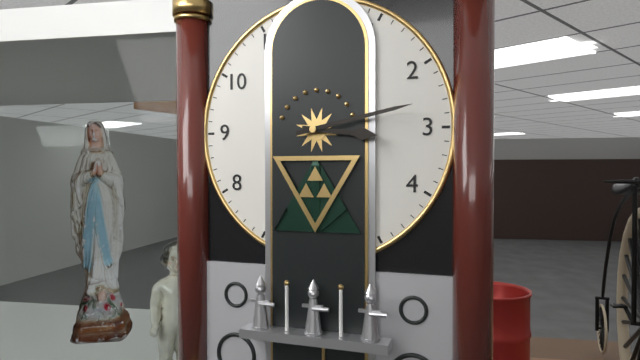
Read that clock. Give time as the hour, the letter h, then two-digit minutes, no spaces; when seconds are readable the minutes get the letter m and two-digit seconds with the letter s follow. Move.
3h13
